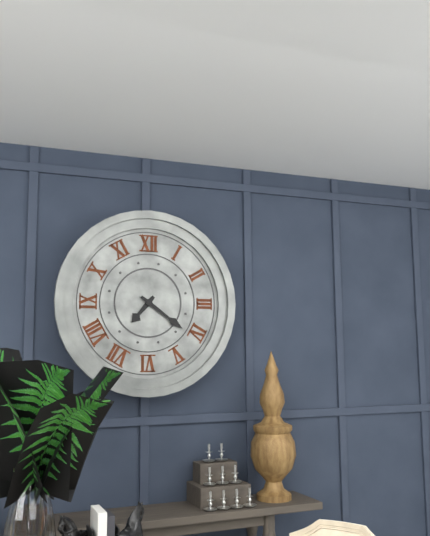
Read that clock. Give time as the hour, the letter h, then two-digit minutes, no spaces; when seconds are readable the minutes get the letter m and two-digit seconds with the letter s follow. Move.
7h21
